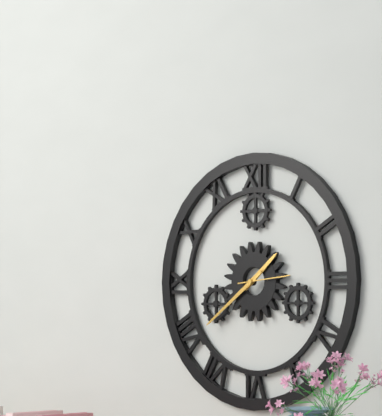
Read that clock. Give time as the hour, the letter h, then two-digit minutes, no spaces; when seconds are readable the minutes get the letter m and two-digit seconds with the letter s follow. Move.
1h39
